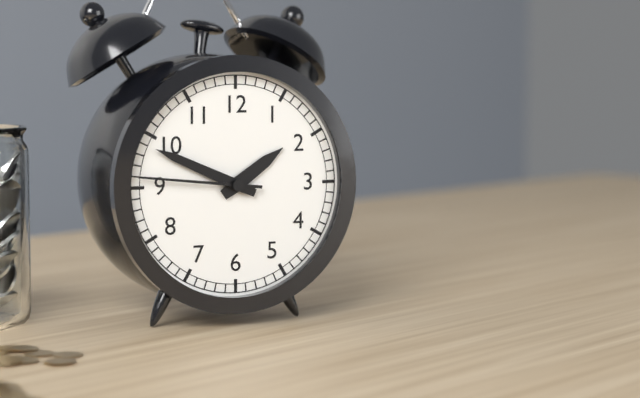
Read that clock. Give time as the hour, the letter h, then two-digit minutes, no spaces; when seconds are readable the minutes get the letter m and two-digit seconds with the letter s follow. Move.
1h49m46s
